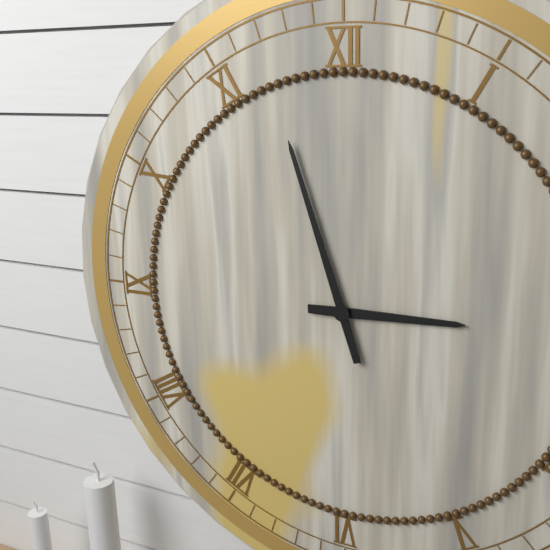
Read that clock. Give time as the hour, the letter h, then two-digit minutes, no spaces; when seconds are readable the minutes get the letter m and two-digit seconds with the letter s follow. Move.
2h57
